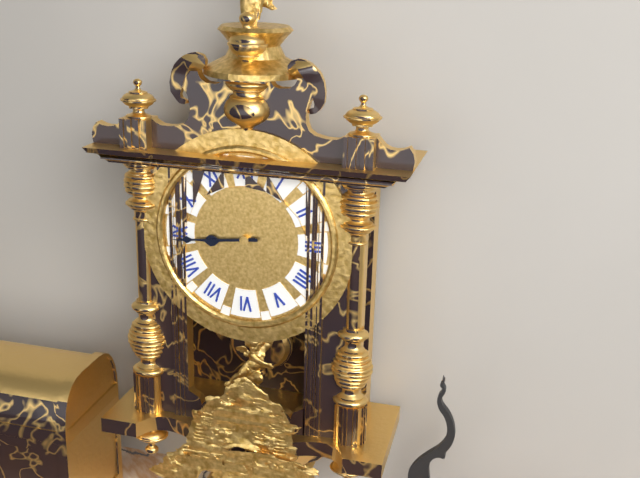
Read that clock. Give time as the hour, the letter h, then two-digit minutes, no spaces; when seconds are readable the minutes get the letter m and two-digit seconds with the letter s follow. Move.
8h44
